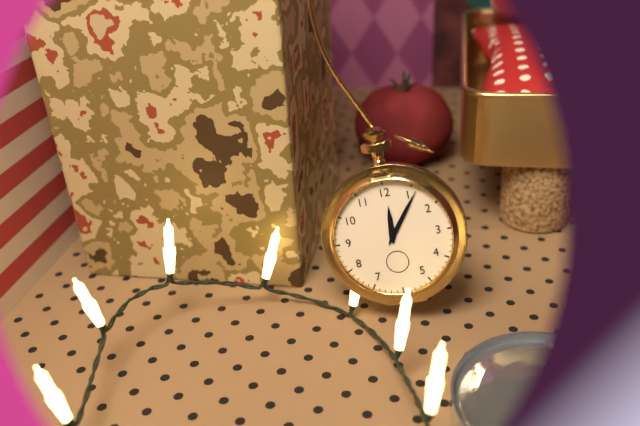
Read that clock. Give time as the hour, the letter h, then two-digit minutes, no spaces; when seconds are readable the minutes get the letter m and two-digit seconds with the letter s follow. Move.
12h06
